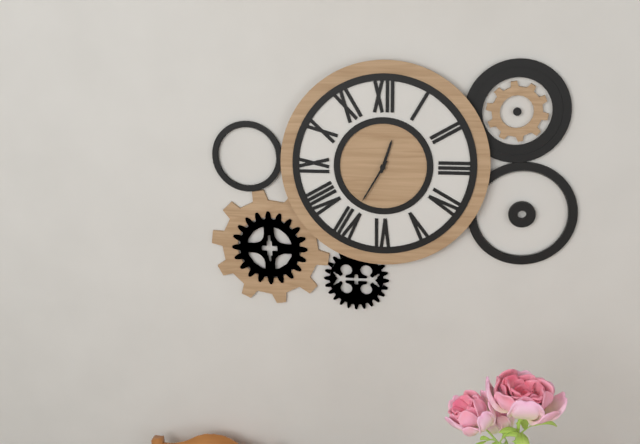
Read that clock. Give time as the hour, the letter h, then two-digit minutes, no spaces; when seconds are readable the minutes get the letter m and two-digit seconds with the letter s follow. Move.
12h35
